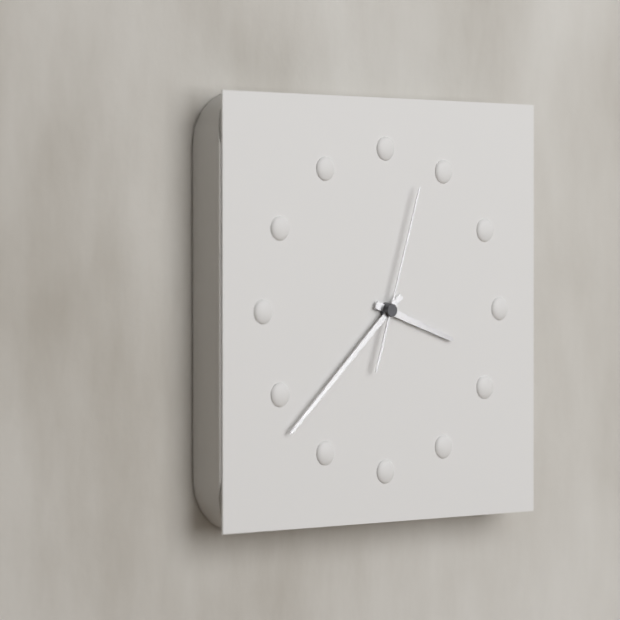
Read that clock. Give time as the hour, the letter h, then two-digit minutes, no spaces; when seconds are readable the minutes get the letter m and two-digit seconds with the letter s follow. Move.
3h38m03s
